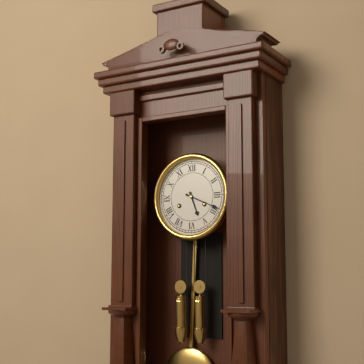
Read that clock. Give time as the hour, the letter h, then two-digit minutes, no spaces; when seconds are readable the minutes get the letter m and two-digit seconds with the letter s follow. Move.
5h19
